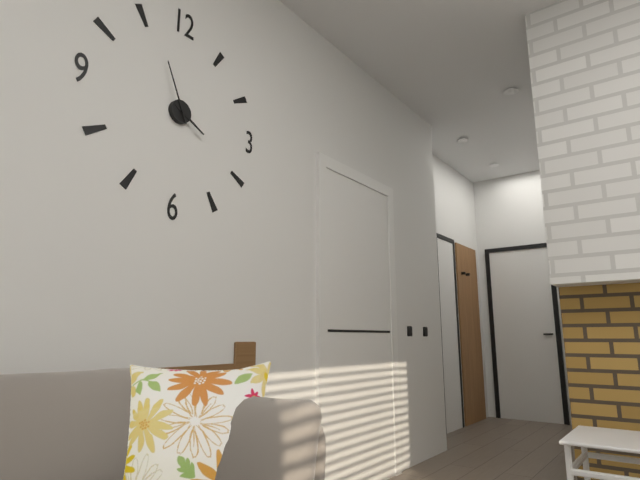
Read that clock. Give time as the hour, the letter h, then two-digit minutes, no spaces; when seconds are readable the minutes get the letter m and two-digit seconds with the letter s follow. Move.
3h56
